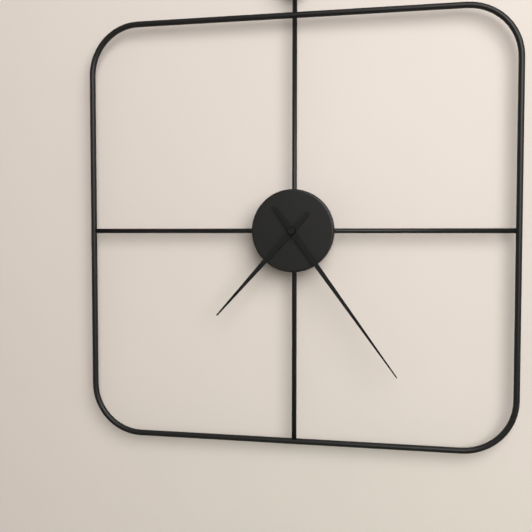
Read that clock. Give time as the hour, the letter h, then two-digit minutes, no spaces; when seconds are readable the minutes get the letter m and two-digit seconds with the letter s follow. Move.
7h24
